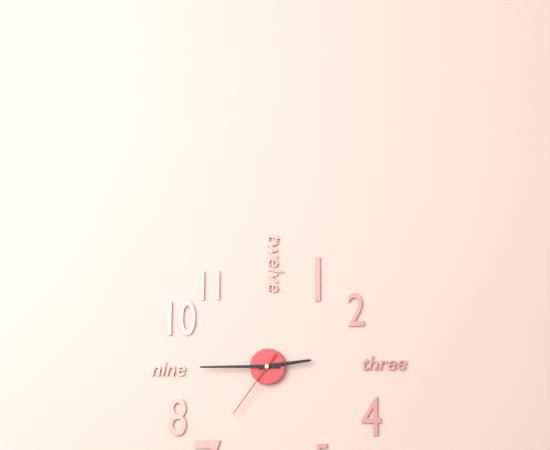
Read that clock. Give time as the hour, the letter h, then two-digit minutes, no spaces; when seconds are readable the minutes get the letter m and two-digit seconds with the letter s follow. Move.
2h45m36s
